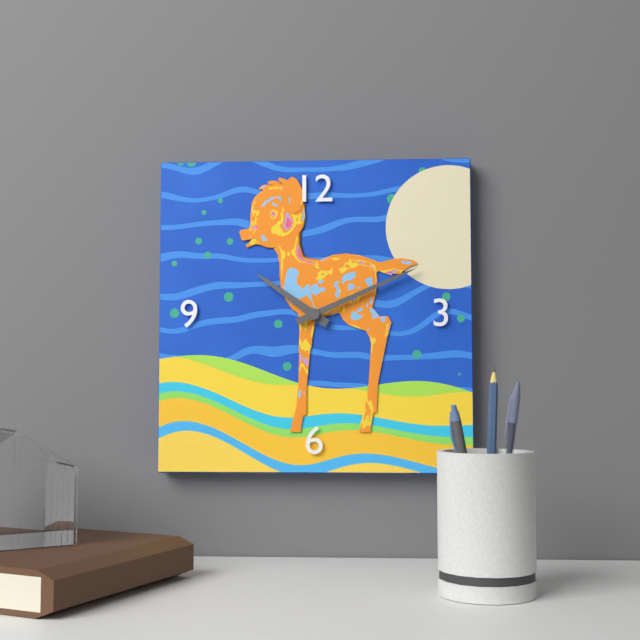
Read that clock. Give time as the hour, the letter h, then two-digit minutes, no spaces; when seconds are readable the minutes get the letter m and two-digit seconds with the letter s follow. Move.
10h11
